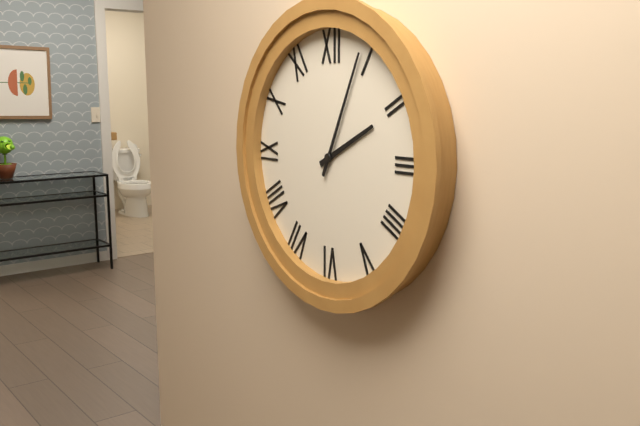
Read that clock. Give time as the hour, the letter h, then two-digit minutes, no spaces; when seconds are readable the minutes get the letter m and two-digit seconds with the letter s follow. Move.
2h04
